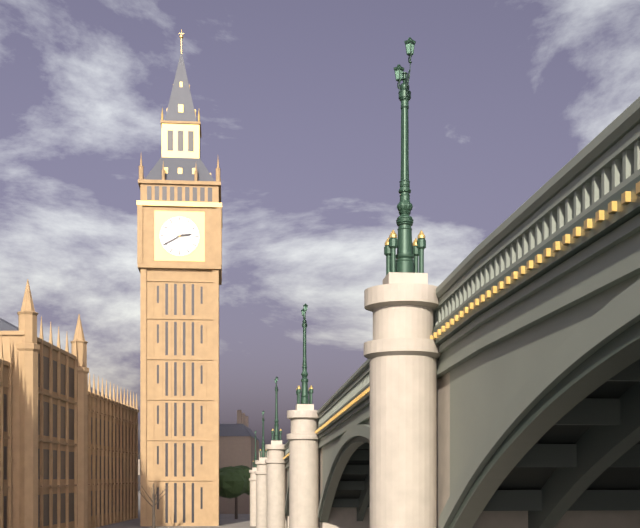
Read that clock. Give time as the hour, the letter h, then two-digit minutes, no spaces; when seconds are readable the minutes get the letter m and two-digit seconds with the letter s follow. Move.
2h40
